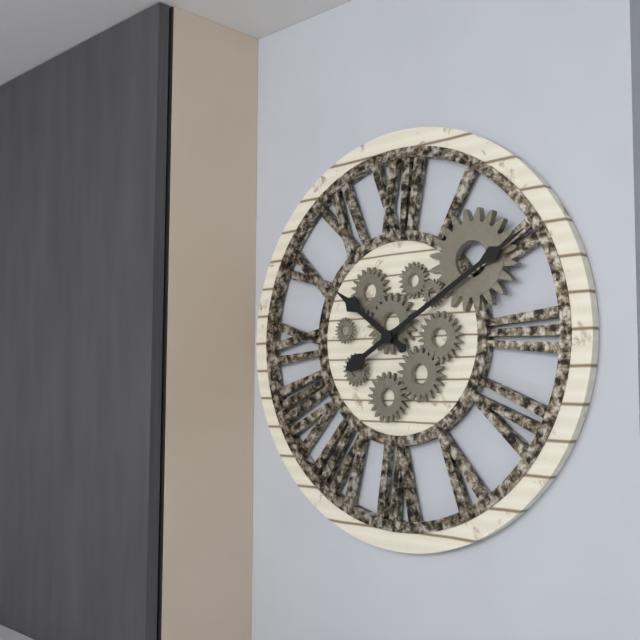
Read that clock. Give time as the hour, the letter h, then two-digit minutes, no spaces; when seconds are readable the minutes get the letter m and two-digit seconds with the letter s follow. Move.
10h10
